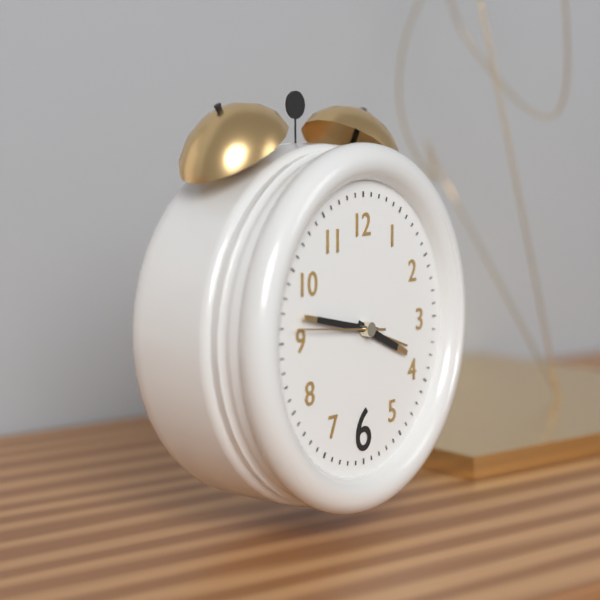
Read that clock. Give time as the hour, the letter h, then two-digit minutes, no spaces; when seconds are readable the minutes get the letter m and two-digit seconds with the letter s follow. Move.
3h47m46s
